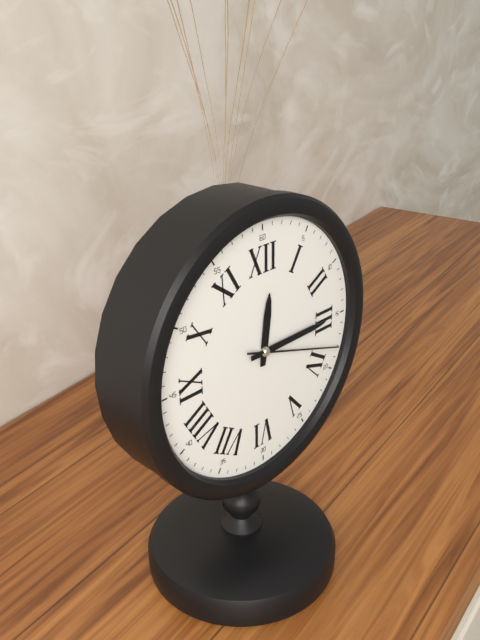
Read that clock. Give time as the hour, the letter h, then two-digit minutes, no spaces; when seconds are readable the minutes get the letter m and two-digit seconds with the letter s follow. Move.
12h15m18s
